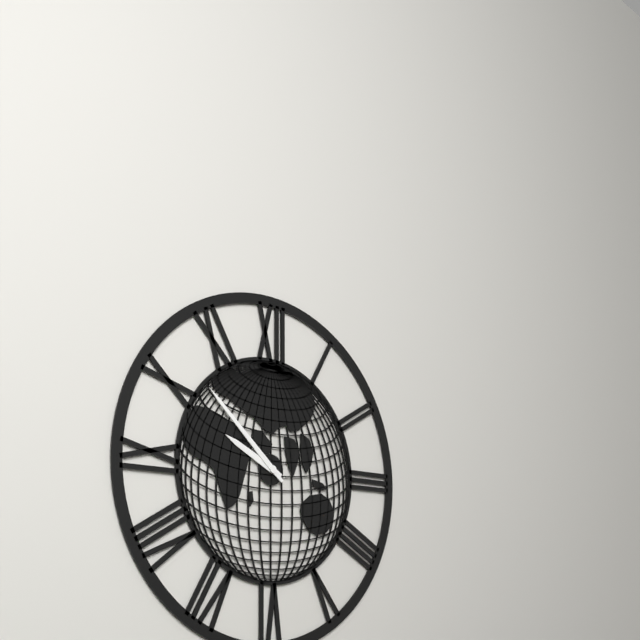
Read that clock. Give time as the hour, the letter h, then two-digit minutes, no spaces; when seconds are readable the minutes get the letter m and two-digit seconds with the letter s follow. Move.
9h52
